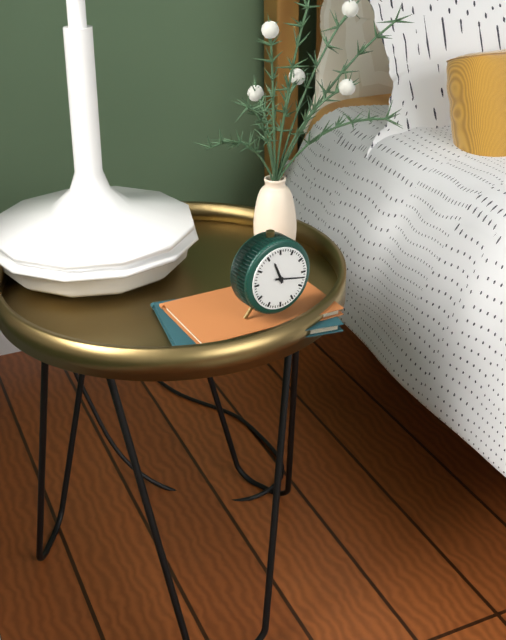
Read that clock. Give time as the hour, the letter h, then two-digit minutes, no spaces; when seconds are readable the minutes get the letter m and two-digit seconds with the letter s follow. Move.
11h17
